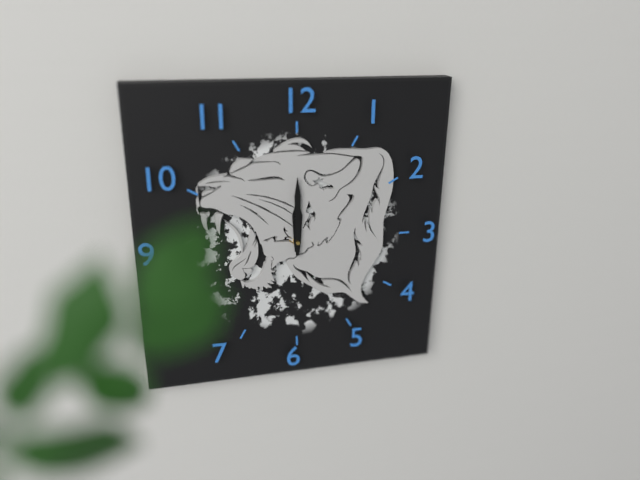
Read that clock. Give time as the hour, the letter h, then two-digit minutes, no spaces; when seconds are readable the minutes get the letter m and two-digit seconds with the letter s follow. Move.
12h00
